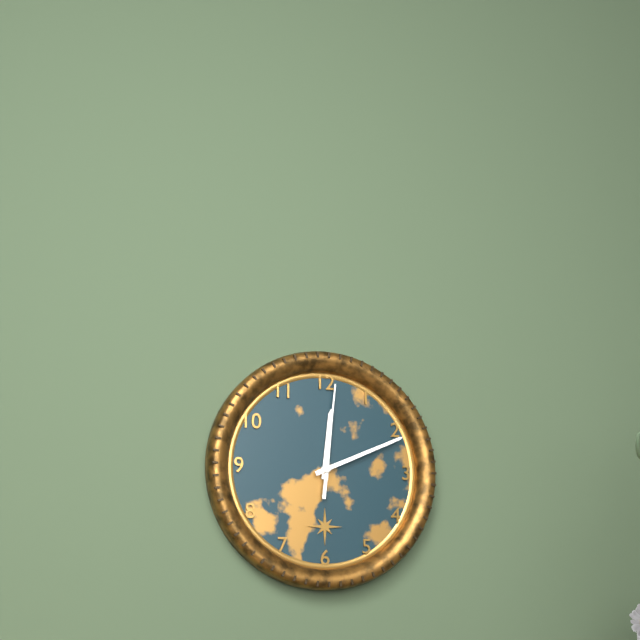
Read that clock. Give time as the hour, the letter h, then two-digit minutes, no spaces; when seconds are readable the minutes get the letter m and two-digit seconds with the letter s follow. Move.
12h11m01s
